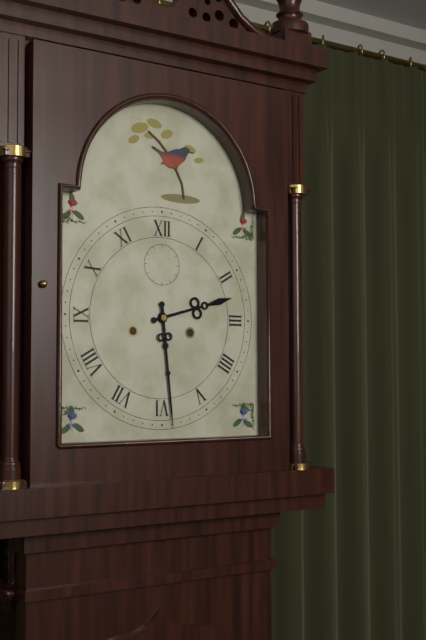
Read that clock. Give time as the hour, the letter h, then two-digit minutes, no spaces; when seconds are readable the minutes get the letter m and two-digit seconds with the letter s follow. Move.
2h29
